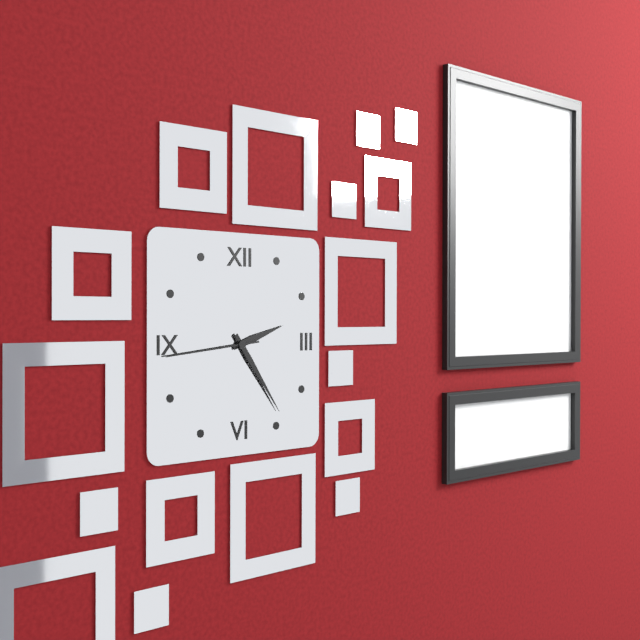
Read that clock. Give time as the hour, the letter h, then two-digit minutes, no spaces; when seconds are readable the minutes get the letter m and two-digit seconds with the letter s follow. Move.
2h24m44s
